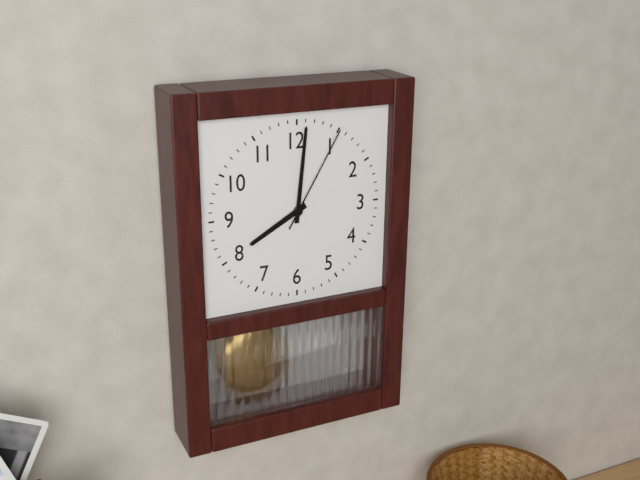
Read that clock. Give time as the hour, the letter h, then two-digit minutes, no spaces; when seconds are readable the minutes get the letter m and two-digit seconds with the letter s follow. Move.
8h01m05s
